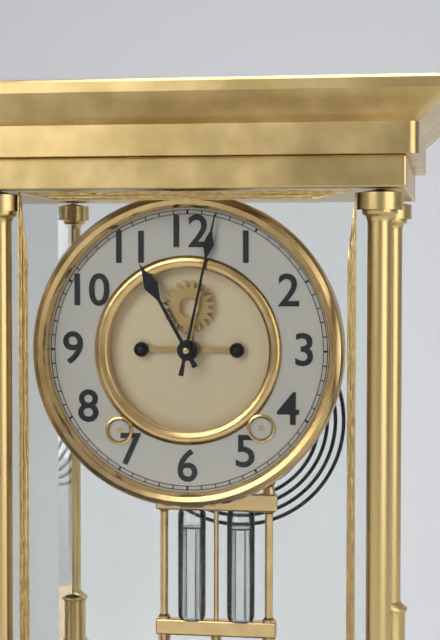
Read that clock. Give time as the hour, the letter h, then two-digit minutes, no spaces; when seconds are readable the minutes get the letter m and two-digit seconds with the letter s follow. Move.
11h02
